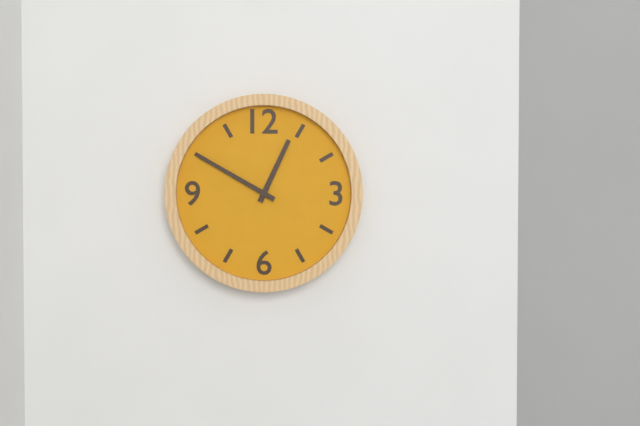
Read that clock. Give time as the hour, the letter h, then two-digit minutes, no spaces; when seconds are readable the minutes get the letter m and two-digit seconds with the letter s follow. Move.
12h50
